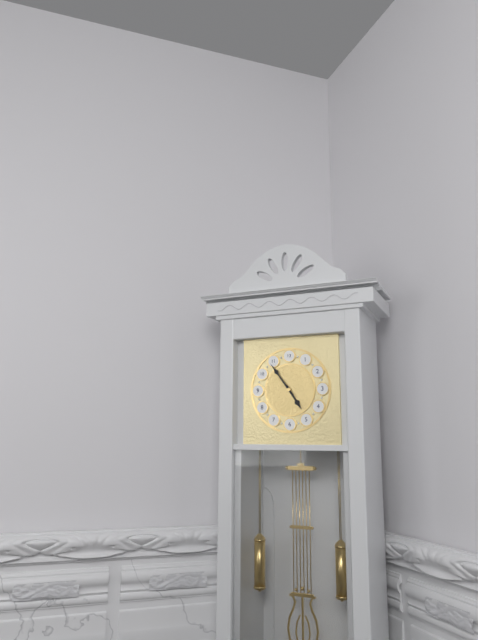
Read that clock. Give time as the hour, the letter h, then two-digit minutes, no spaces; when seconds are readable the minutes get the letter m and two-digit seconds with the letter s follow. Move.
4h54
